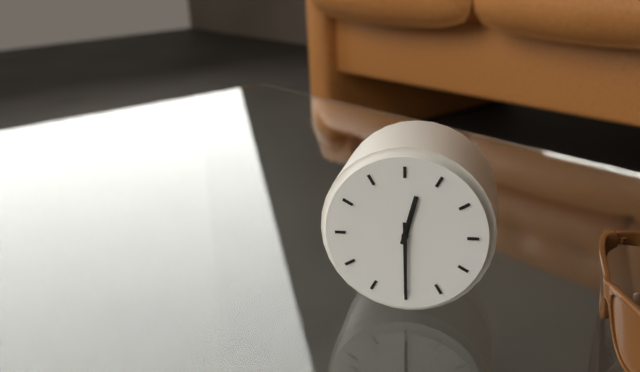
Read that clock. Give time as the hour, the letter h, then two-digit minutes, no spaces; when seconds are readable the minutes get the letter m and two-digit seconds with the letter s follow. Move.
12h30
